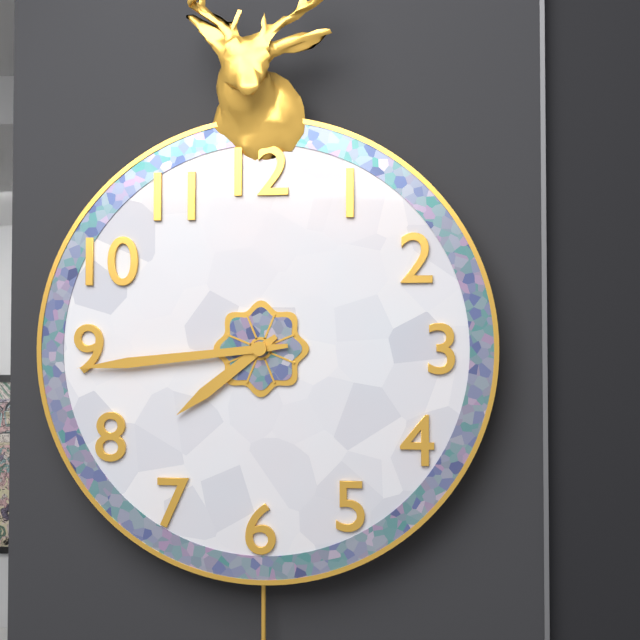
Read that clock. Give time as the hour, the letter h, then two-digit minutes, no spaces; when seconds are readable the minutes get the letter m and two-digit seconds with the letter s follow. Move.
7h44
